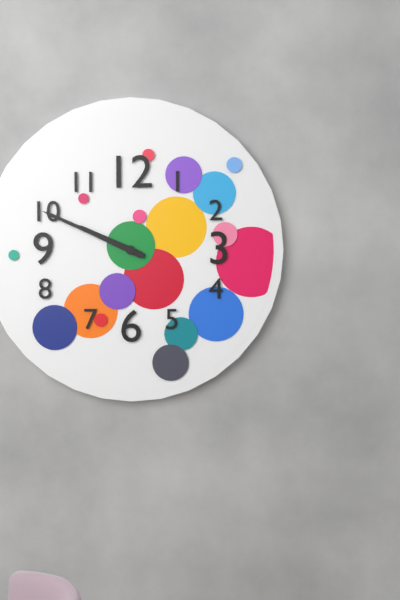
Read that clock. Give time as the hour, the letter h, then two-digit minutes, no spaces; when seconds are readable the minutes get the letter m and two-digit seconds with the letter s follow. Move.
9h49
